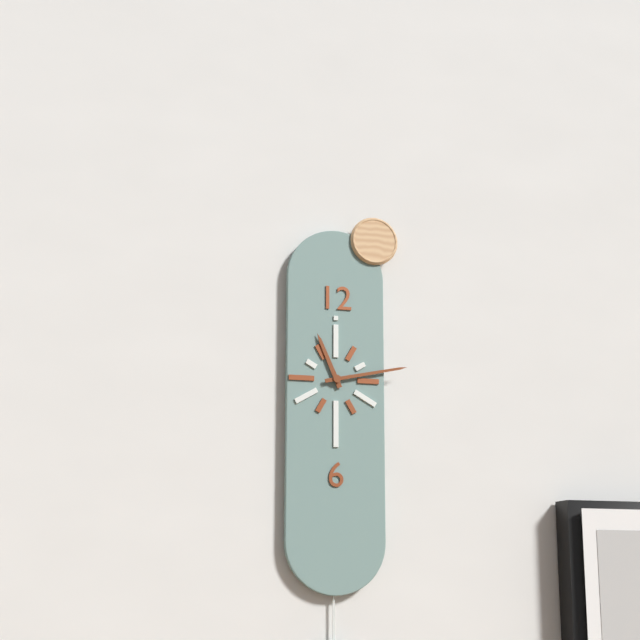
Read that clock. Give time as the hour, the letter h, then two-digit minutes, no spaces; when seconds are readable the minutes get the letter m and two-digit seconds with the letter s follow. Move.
11h13
